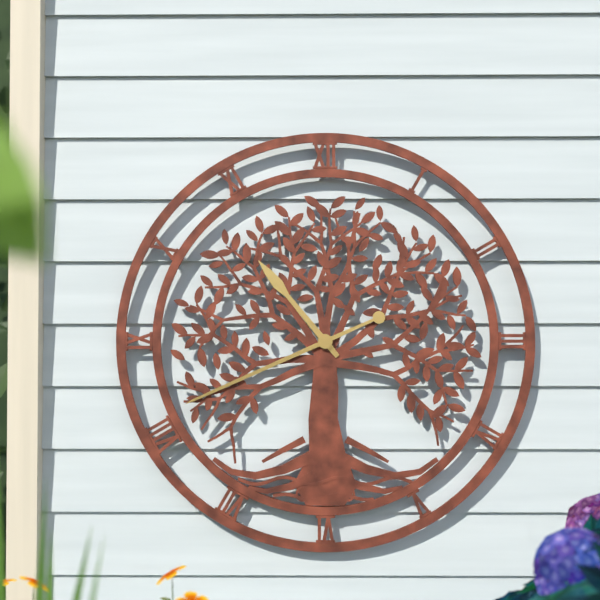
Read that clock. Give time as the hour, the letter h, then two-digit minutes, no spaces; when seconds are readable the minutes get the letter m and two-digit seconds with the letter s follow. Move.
10h41
